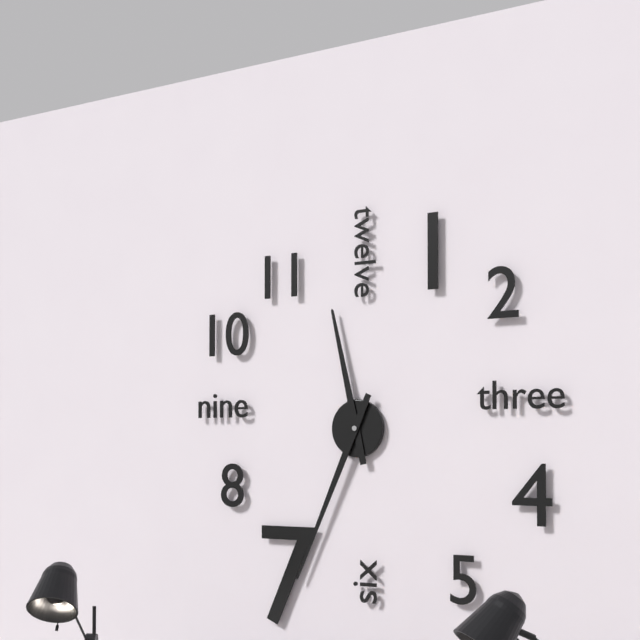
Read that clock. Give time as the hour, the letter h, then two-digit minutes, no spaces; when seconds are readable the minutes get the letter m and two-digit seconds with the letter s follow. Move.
11h34
